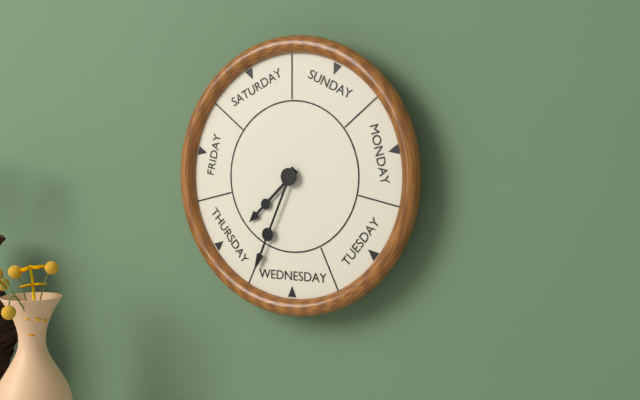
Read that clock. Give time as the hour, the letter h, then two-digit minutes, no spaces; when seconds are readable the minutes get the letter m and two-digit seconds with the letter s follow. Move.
7h34
